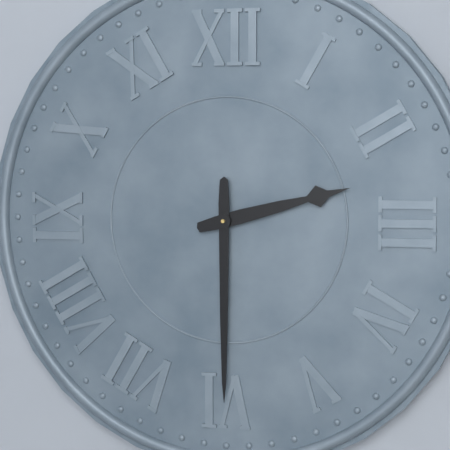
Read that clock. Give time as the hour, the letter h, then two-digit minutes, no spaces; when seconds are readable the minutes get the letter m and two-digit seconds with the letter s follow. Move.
2h30
